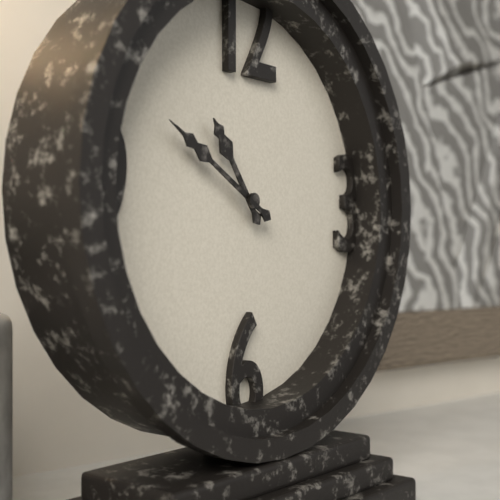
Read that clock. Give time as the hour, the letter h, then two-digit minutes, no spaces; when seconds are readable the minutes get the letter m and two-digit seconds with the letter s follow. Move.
10h50
